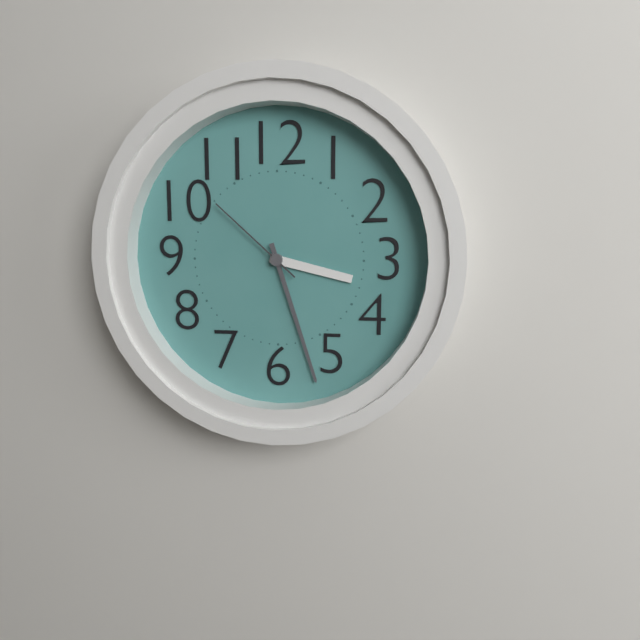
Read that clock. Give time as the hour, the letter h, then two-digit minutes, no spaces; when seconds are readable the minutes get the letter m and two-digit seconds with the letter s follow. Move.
3h27m52s
